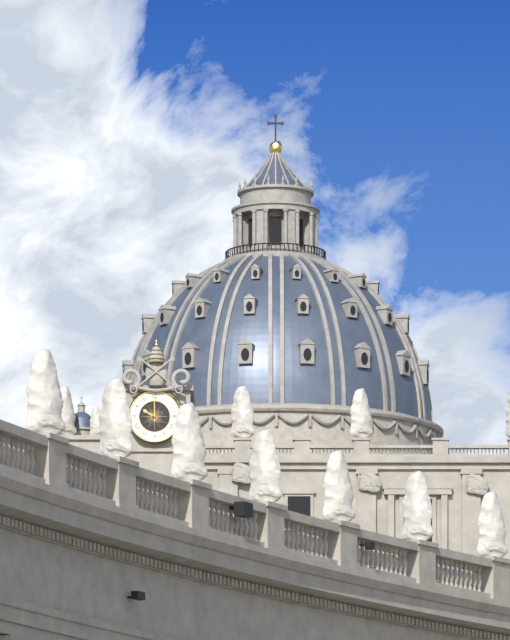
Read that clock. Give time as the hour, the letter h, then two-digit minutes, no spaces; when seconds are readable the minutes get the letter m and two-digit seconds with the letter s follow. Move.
10h00
